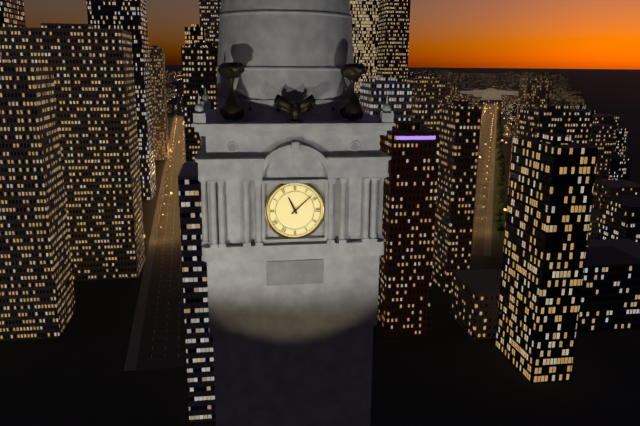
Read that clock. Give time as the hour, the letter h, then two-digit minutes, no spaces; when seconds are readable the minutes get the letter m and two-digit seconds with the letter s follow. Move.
11h08
